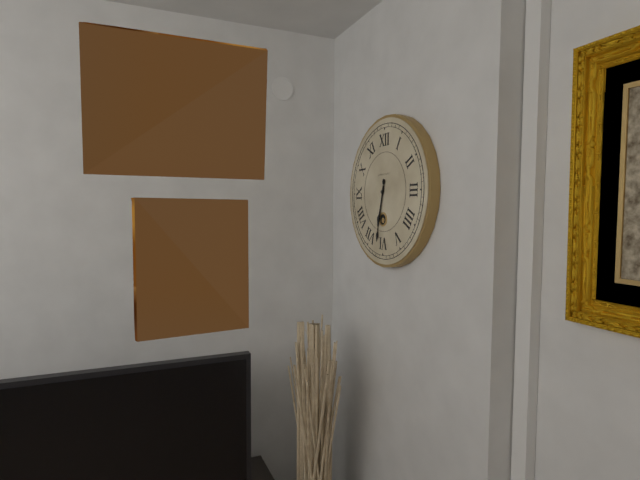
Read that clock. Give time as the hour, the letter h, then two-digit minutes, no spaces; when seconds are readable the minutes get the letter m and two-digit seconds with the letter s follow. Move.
6h32
